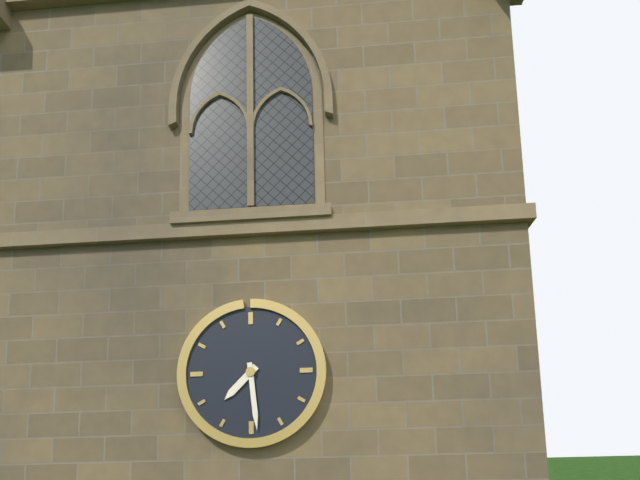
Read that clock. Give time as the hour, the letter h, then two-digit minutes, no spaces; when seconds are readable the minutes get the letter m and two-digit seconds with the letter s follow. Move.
7h29
